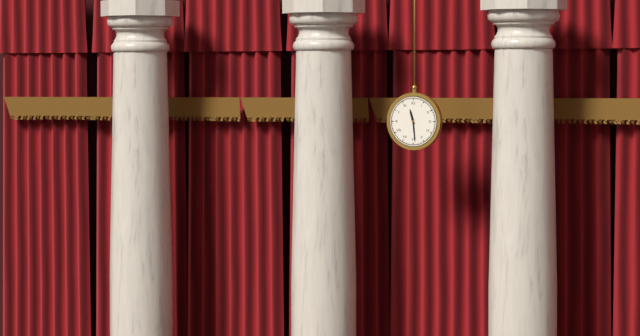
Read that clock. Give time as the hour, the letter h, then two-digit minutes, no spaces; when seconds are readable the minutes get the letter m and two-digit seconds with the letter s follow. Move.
11h29
